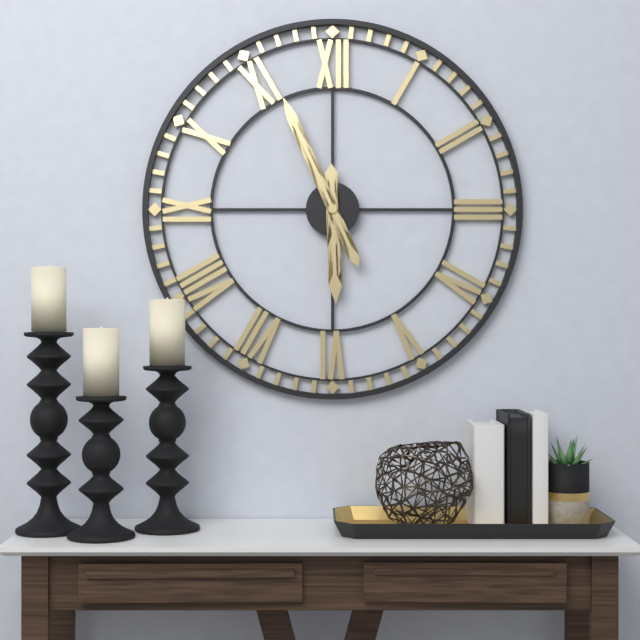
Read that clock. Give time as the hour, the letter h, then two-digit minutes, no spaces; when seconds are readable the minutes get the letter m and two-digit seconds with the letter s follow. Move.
5h56
